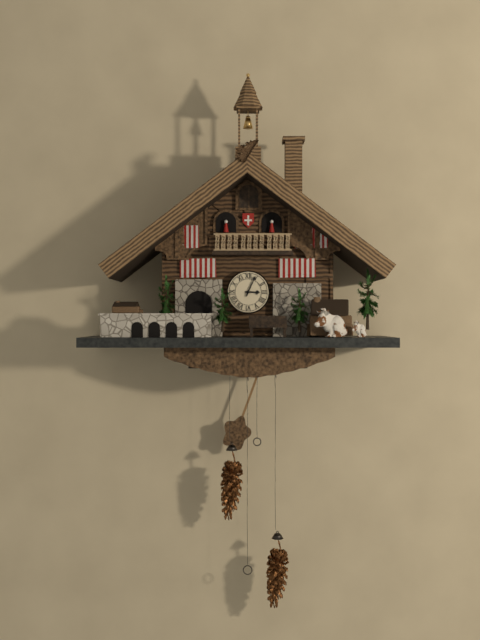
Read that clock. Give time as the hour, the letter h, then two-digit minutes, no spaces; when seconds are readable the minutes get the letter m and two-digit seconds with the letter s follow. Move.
3h04
